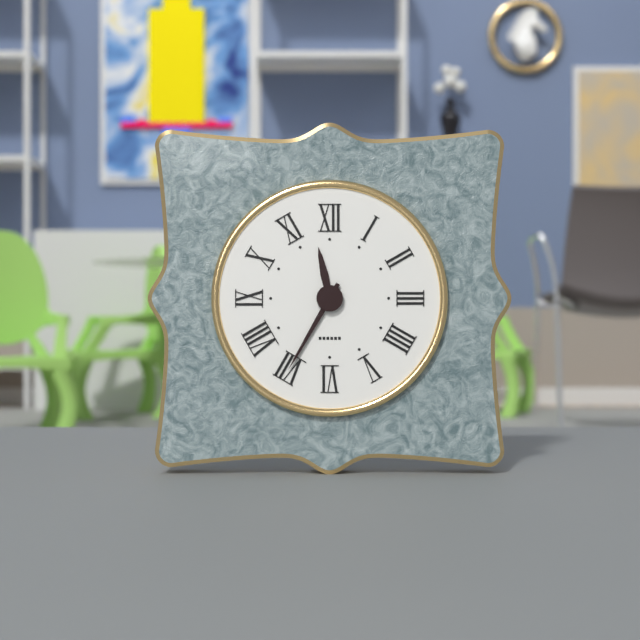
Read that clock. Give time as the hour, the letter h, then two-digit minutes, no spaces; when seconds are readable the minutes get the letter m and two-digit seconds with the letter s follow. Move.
11h35
